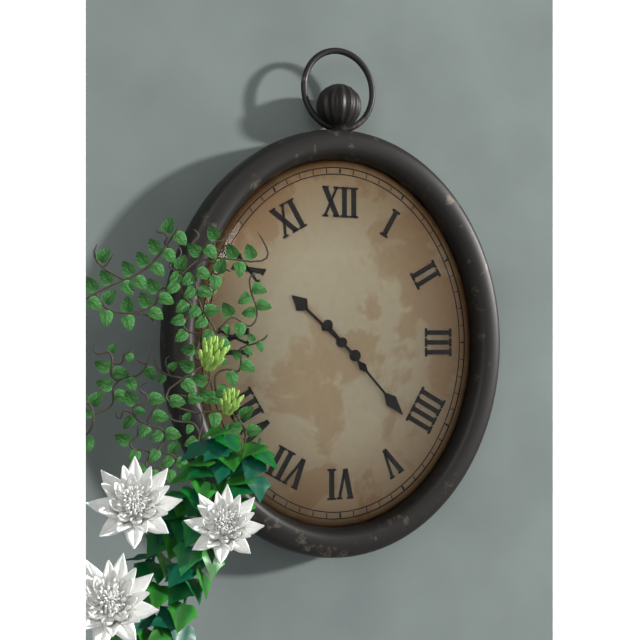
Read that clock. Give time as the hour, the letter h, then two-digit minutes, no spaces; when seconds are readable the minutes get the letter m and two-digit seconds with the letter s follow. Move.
10h23
